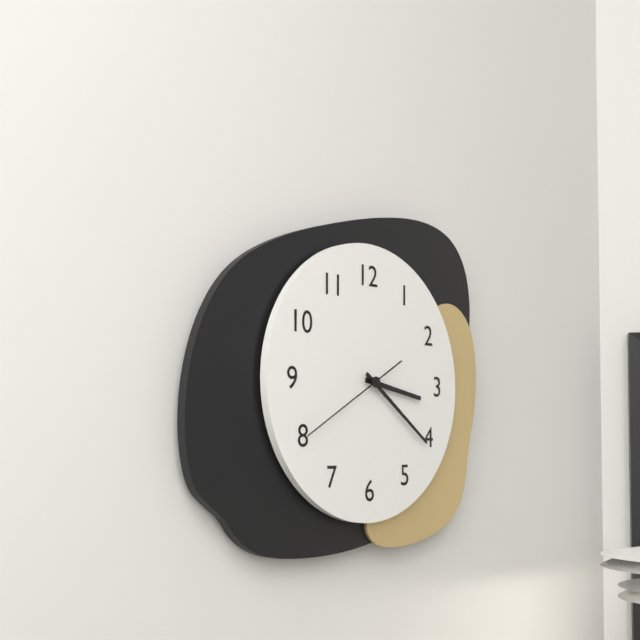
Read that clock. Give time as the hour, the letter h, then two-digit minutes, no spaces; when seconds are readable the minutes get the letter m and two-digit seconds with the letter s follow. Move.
3h21m40s
